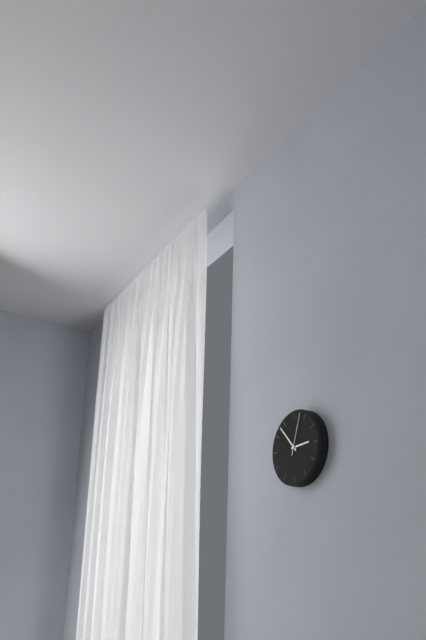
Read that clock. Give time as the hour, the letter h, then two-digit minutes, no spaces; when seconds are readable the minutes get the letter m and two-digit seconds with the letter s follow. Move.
2h53
